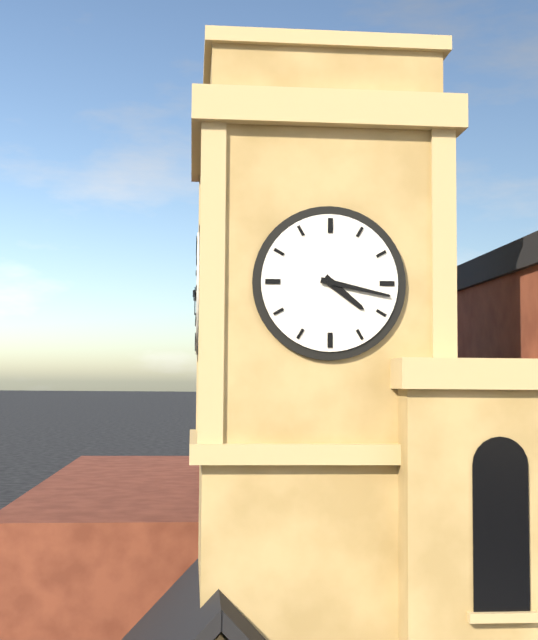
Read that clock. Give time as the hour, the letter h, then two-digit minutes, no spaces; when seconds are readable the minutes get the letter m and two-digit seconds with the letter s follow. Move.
4h17
